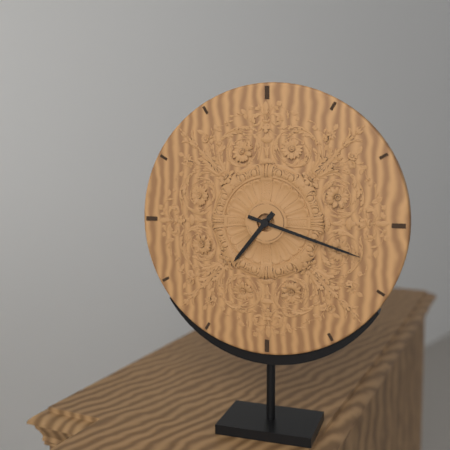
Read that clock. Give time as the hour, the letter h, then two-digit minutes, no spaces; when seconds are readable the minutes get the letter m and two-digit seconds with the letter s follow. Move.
7h18
